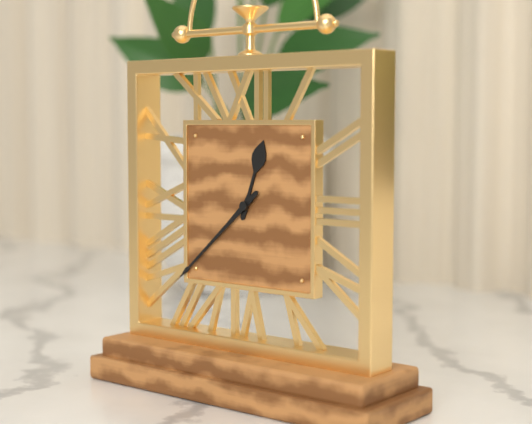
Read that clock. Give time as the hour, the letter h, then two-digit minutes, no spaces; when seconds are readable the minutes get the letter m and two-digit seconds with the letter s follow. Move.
12h38
